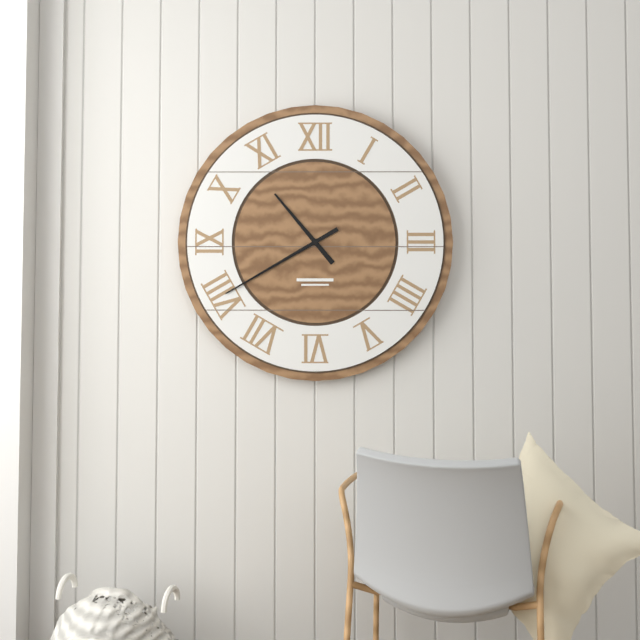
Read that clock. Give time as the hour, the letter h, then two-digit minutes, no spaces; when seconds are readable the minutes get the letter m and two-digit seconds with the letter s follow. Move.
10h40
